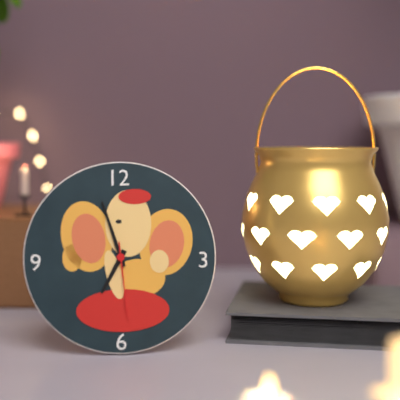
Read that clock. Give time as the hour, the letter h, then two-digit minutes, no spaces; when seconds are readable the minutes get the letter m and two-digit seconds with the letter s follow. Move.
6h57m29s
